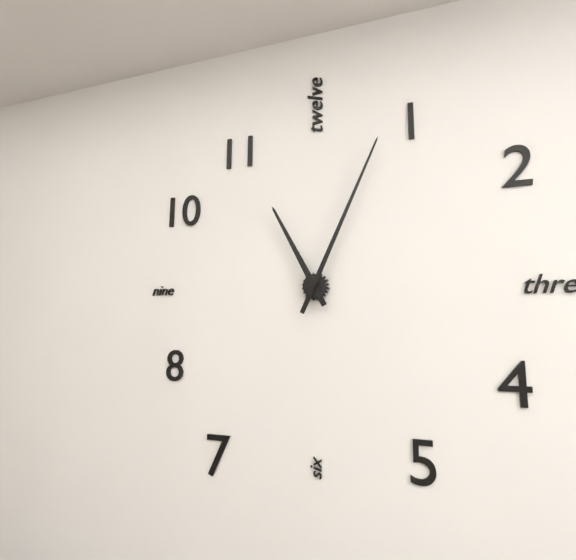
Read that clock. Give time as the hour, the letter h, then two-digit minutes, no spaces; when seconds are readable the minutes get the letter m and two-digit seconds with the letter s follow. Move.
11h04
